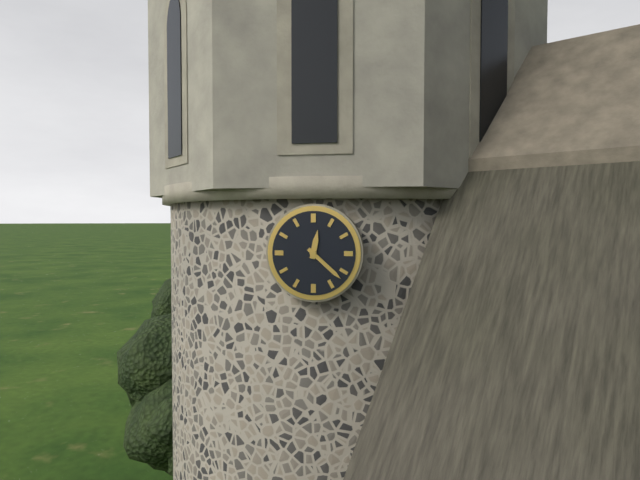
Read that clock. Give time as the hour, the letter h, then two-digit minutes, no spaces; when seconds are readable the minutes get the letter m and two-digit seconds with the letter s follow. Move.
12h22
